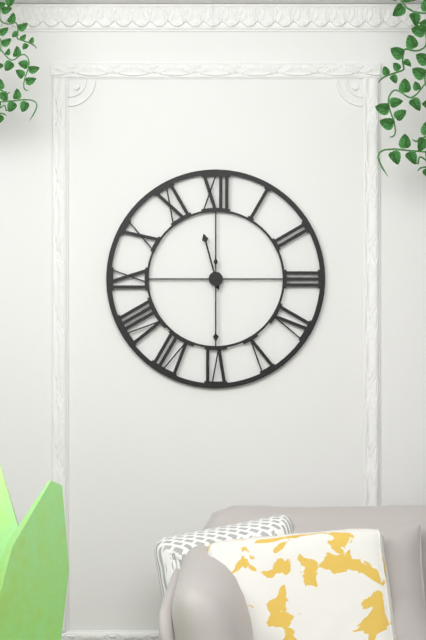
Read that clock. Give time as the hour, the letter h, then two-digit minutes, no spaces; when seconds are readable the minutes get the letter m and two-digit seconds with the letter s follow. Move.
11h30
